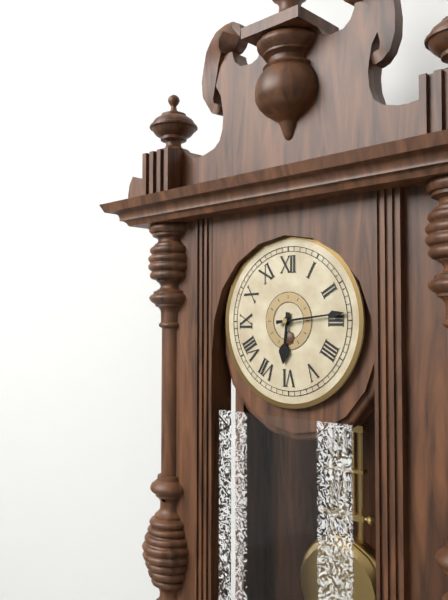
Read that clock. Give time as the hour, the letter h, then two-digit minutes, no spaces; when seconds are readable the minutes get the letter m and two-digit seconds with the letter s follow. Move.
6h14
